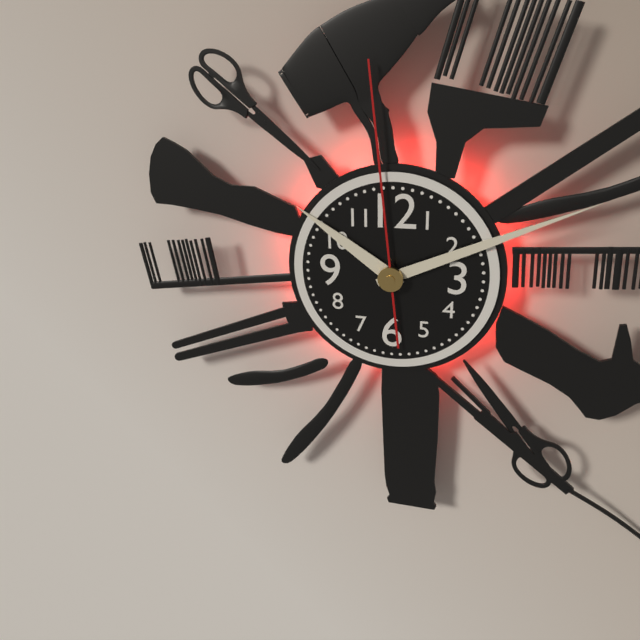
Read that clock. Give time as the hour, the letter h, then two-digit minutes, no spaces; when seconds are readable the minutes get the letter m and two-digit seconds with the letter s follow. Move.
10h11m59s
